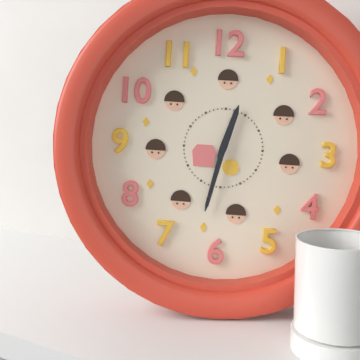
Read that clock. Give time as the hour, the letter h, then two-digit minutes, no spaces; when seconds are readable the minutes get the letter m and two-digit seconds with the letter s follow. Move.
12h32
